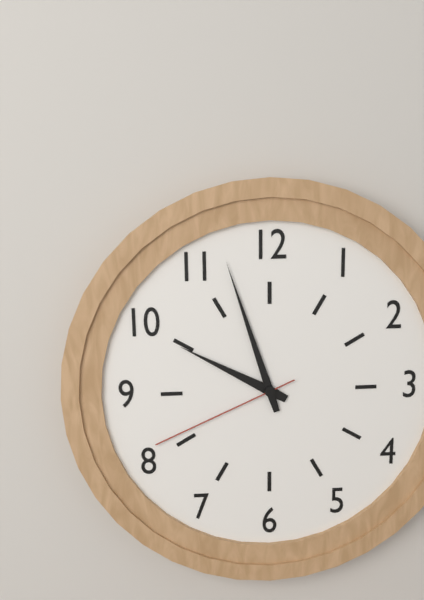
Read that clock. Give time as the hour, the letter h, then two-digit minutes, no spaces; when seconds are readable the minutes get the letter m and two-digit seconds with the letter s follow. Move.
9h57m41s
